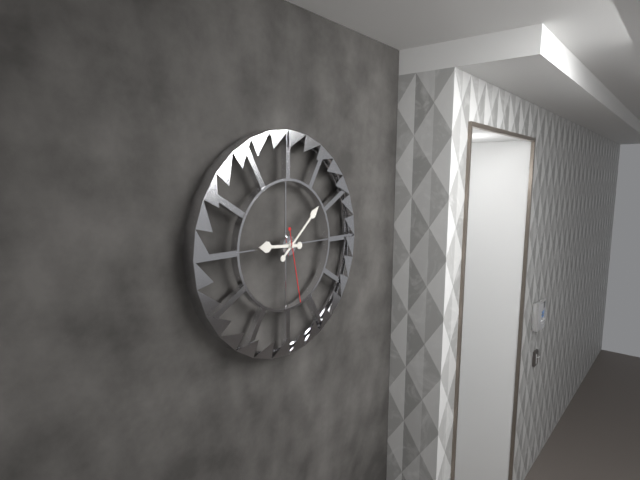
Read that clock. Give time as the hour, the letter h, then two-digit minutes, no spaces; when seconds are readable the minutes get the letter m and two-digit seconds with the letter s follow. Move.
9h08m28s
